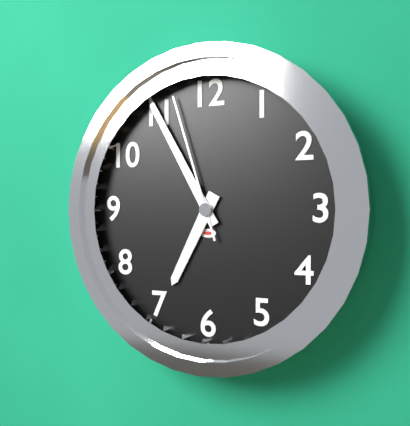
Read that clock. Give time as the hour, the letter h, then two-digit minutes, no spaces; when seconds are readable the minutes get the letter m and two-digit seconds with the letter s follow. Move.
6h55m57s
